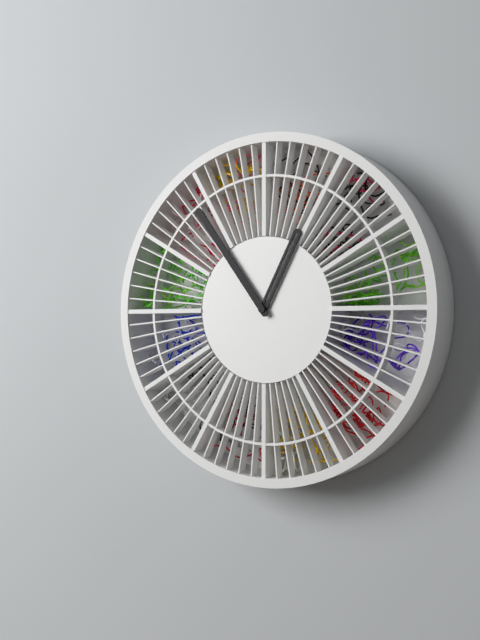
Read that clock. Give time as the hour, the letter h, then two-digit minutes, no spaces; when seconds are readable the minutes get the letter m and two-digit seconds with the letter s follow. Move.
12h54
